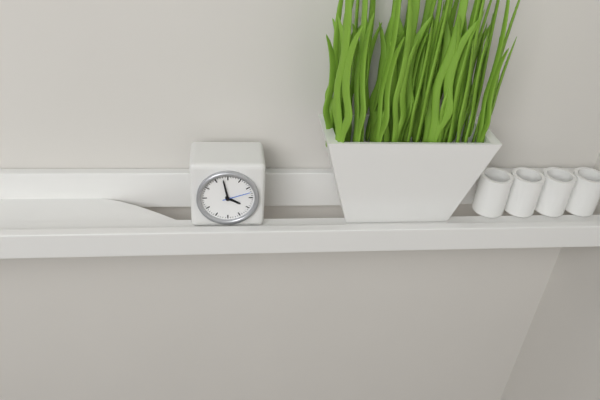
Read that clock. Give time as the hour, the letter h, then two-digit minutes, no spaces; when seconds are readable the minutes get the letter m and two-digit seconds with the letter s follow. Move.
3h58
